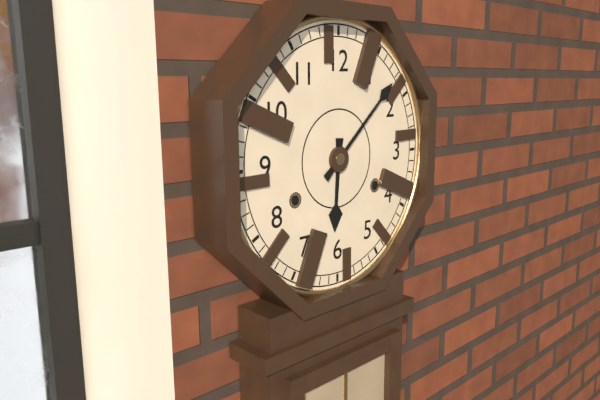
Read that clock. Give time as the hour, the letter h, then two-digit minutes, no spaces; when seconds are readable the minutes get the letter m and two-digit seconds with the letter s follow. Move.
6h08
